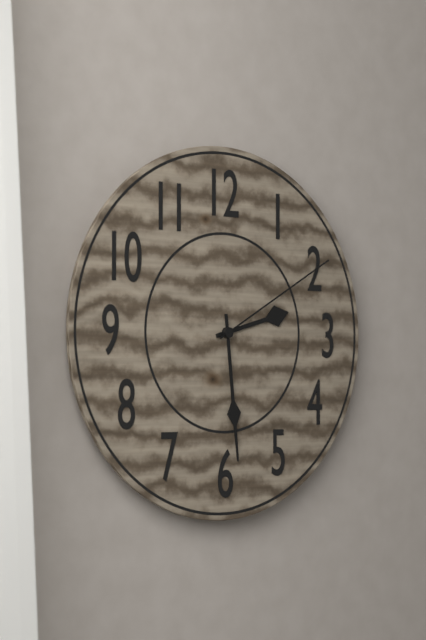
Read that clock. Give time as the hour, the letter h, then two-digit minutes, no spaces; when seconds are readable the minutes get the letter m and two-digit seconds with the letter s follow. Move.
2h29m10s
